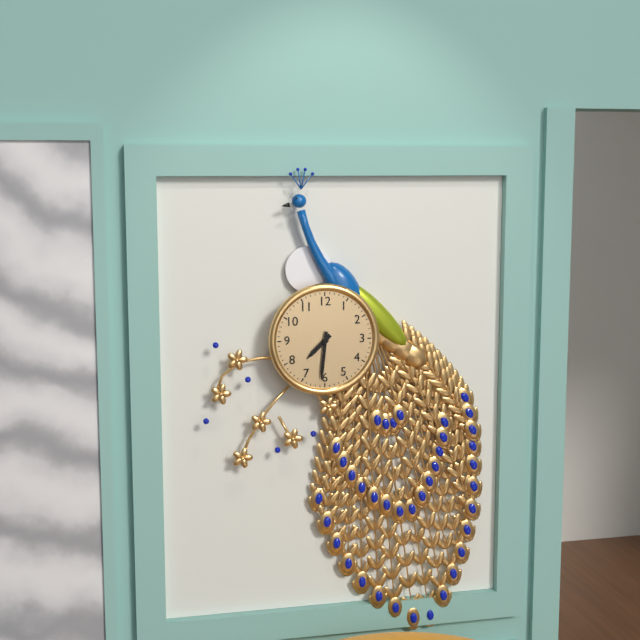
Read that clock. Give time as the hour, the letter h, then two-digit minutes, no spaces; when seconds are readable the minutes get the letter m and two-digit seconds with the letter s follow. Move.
7h31
